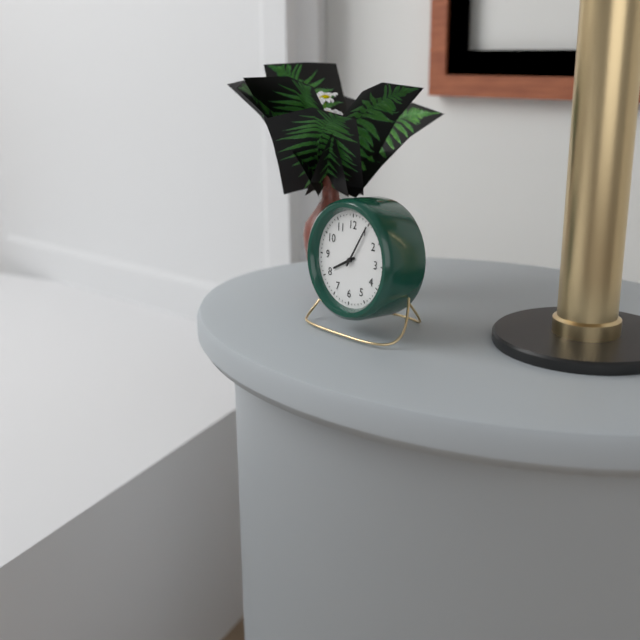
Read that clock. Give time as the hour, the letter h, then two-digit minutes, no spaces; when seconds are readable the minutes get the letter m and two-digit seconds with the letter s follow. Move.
8h05
